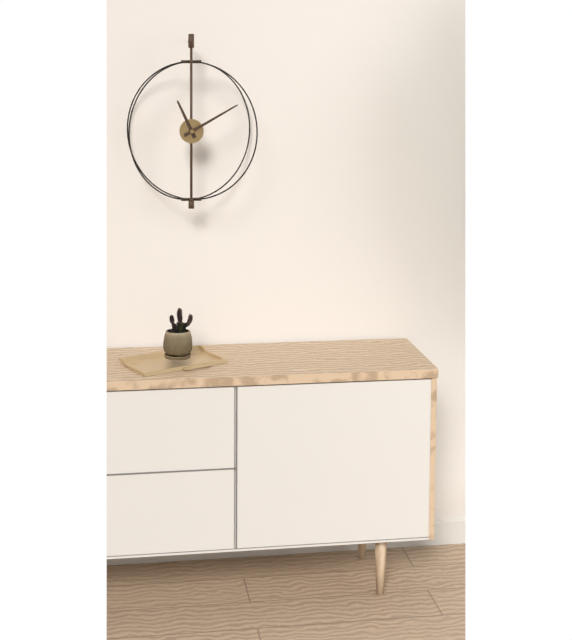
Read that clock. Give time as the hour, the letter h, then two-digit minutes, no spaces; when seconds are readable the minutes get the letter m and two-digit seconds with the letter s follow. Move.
11h10
